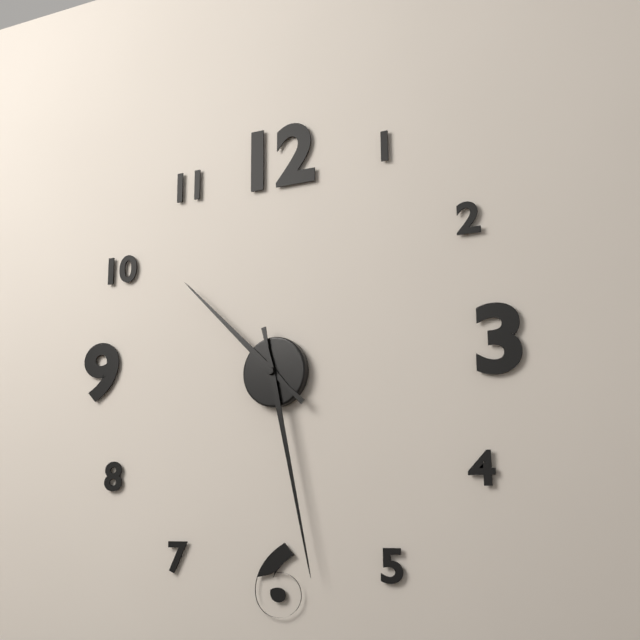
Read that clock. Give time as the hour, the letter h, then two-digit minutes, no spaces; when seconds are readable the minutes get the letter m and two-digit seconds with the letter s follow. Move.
10h28
